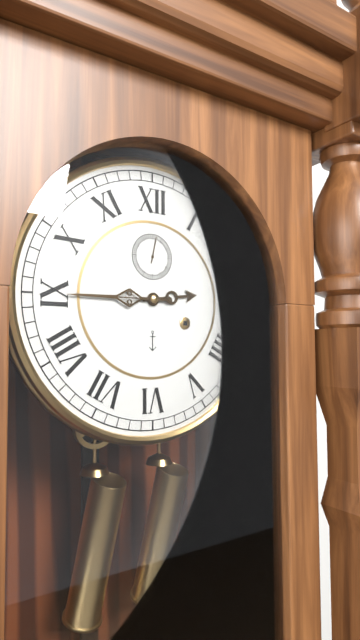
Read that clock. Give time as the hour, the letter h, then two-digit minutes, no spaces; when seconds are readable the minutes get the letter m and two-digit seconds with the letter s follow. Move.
2h45
